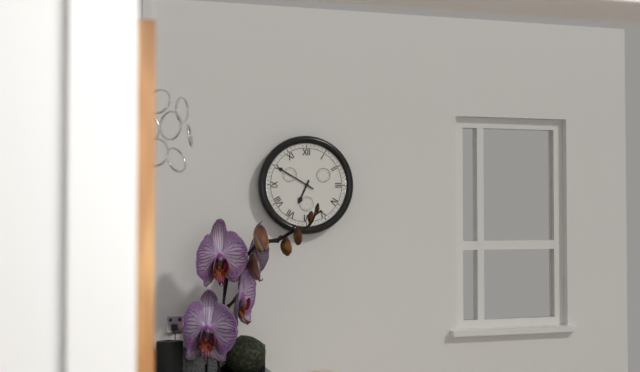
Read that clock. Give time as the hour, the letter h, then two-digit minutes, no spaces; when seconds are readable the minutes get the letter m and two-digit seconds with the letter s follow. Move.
6h50
